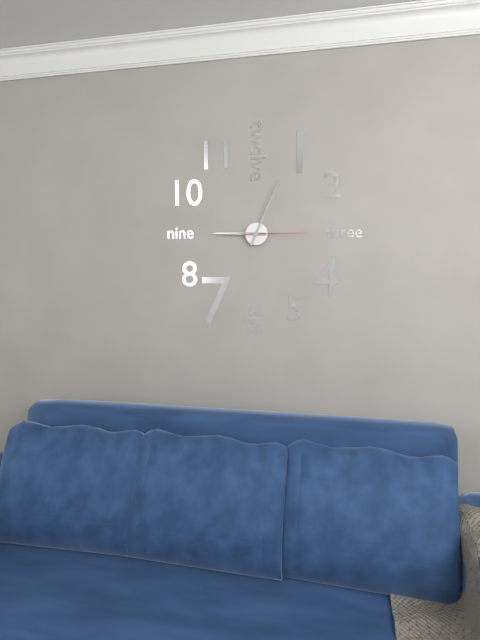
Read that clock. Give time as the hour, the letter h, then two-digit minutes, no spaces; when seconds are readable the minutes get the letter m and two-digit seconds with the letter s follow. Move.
9h04m15s
